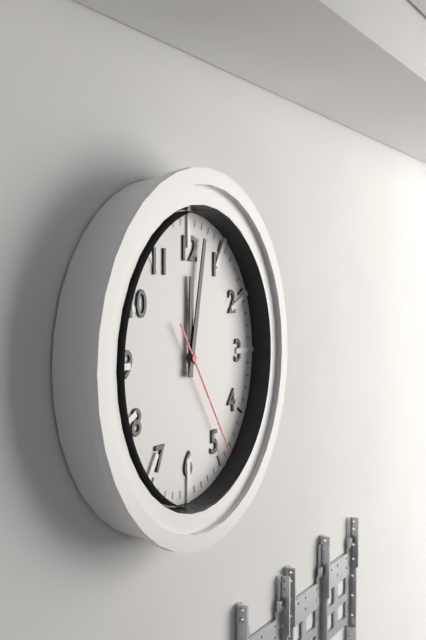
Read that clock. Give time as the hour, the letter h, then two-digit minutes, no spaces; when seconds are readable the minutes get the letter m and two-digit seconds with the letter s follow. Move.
12h02m24s
